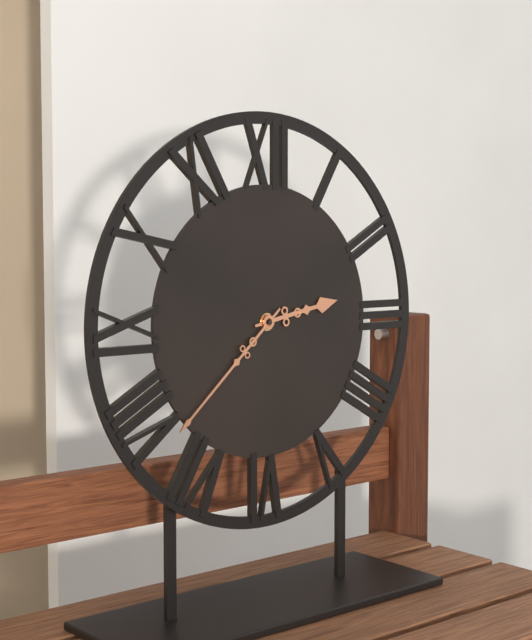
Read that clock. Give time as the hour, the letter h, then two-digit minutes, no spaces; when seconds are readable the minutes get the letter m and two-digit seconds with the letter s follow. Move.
2h38
